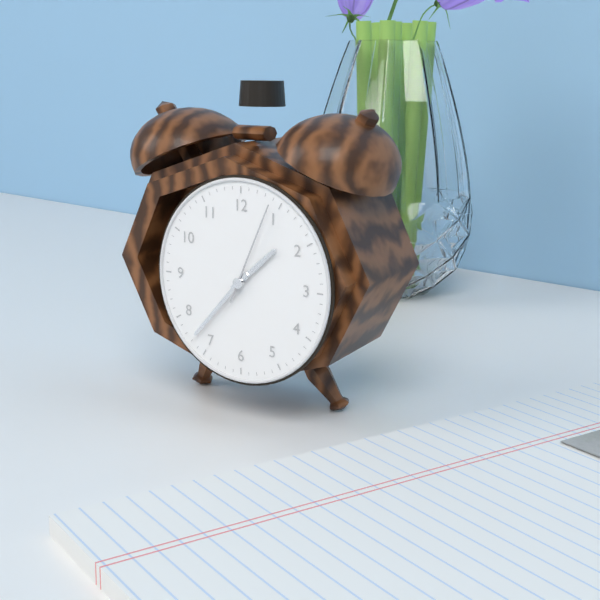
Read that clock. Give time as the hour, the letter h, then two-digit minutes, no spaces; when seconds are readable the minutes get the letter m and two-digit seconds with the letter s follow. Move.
1h37m04s
